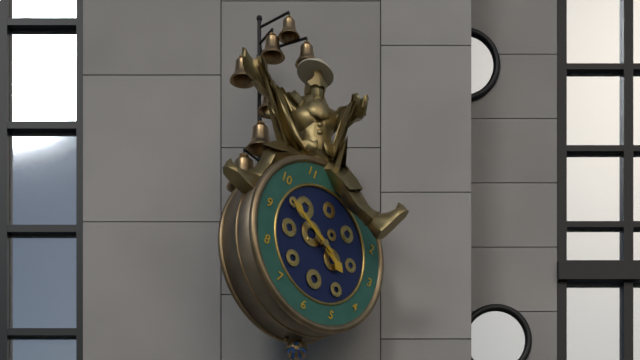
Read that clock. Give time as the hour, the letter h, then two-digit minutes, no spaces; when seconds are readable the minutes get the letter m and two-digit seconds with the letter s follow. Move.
3h48
